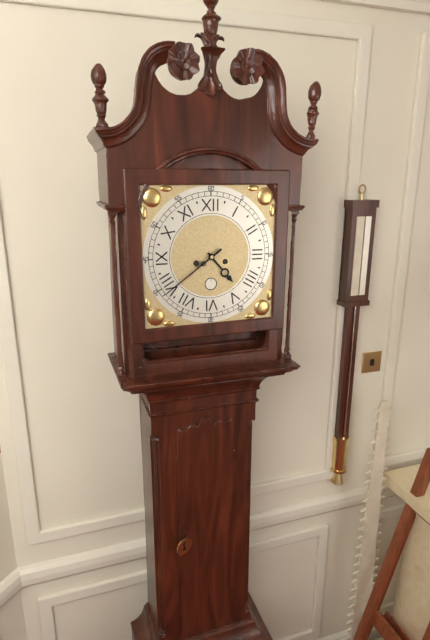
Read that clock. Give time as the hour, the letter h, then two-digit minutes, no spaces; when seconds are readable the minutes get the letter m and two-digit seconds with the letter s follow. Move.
4h39
